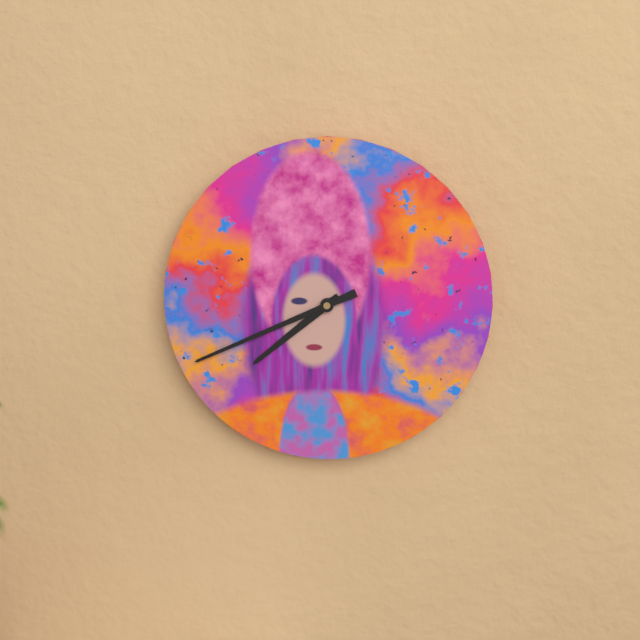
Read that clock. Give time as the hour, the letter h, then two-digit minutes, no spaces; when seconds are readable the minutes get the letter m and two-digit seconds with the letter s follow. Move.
7h41
